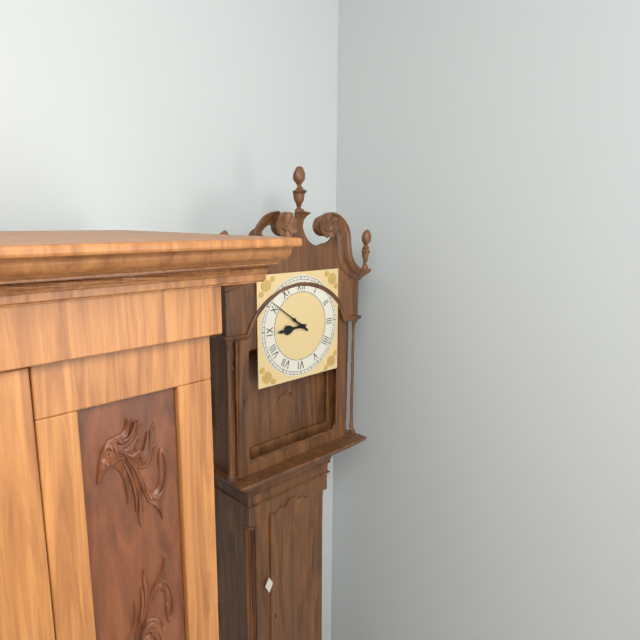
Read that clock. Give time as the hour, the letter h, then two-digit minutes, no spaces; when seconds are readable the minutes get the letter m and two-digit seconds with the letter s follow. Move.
8h51
